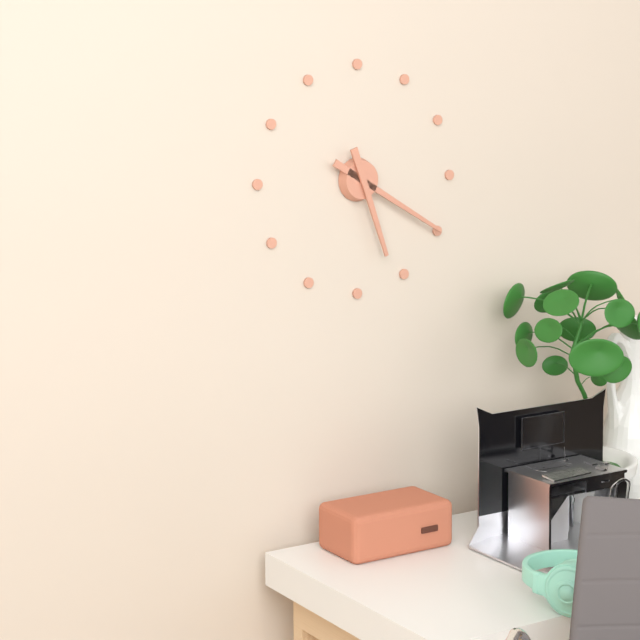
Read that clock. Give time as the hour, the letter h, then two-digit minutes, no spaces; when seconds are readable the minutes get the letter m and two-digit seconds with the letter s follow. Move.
5h20
